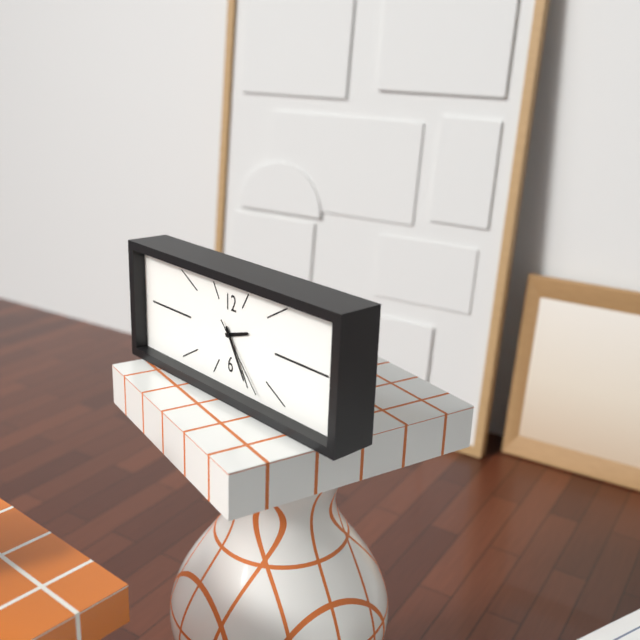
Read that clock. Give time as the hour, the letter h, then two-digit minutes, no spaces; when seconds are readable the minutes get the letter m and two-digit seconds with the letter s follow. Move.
2h25m23s
